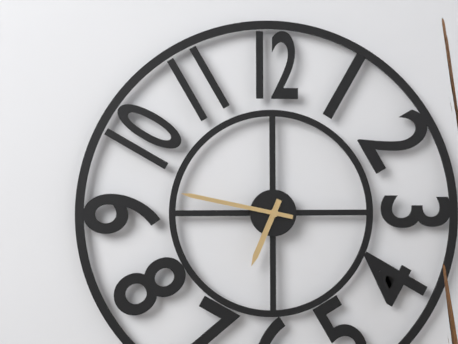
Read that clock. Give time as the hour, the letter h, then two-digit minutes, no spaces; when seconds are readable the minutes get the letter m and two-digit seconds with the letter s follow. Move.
6h47
